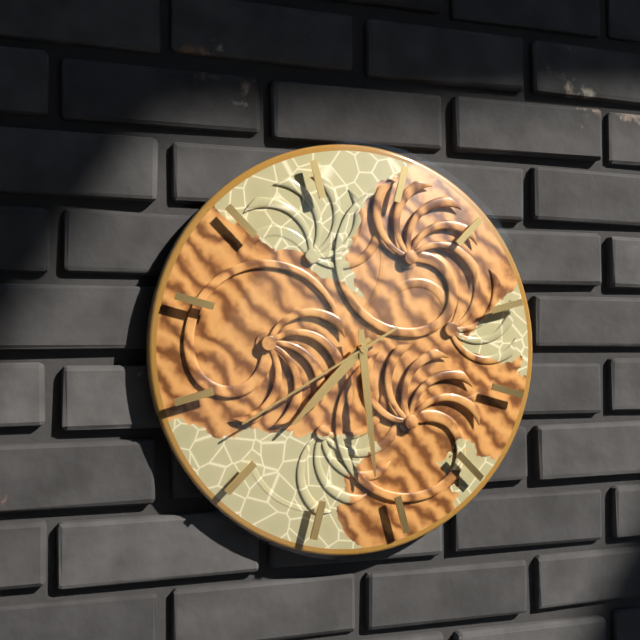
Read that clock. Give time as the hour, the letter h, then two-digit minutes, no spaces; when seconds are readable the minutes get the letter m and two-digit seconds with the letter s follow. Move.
7h29m40s
